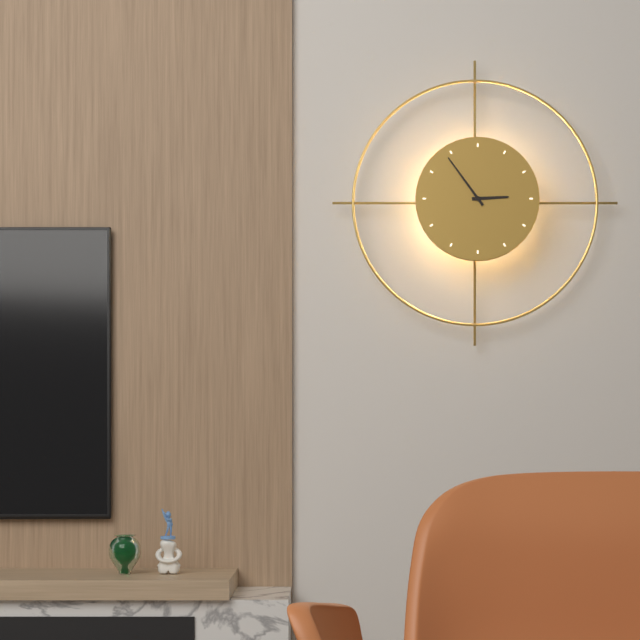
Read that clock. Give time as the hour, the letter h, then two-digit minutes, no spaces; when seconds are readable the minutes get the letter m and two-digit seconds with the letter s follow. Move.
2h54
